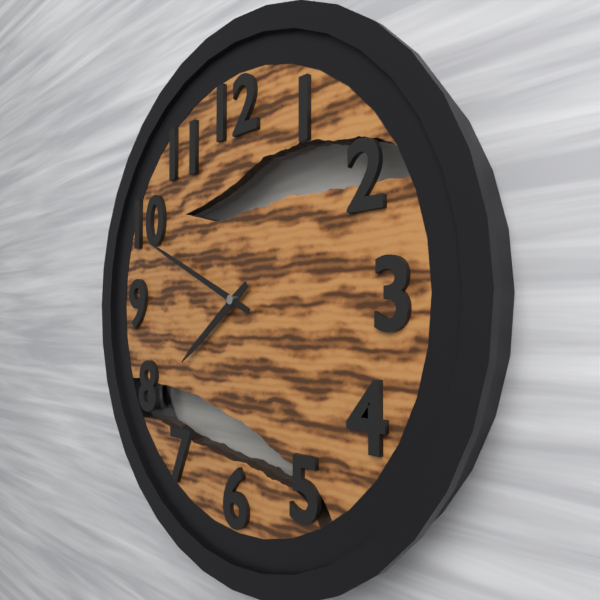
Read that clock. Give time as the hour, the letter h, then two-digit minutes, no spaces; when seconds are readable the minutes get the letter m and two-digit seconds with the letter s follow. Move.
7h49
